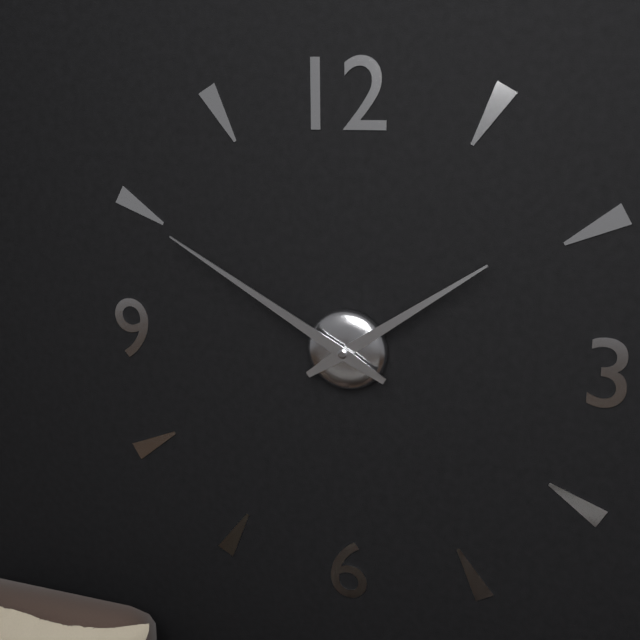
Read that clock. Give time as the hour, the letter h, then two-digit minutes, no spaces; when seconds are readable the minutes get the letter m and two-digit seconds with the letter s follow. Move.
1h50
